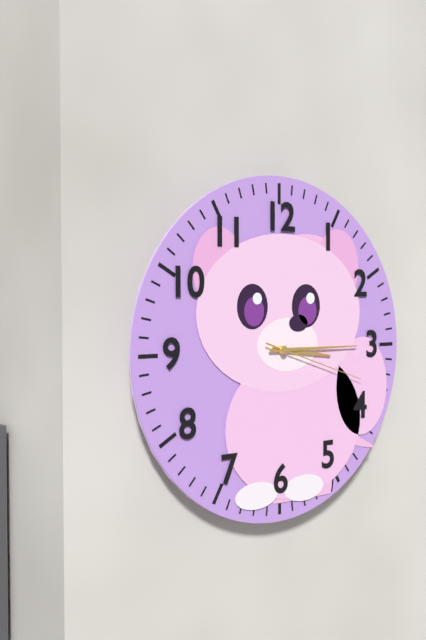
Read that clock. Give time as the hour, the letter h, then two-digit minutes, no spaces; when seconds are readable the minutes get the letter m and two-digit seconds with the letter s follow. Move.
3h15m18s
